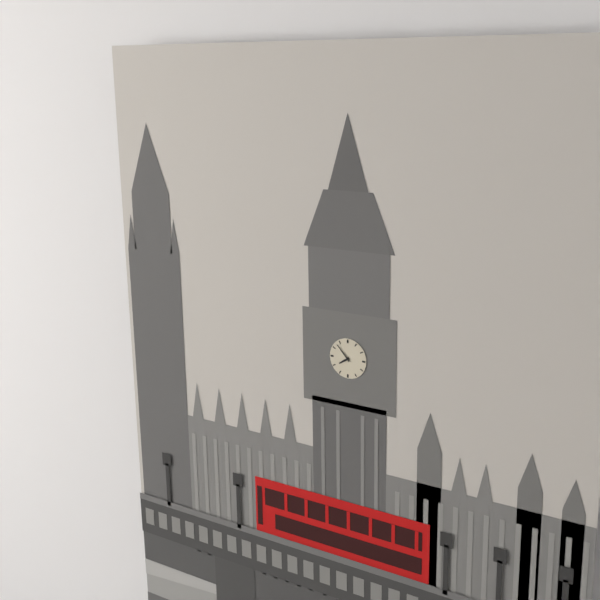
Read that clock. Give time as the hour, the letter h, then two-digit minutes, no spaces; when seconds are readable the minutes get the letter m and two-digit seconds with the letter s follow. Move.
7h53
